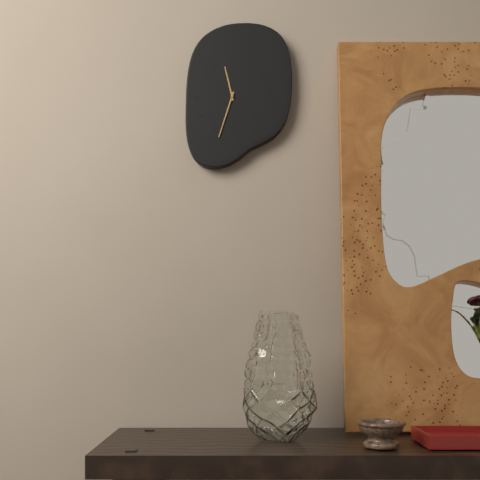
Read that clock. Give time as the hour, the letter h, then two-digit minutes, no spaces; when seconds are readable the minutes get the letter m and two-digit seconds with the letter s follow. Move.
11h33
